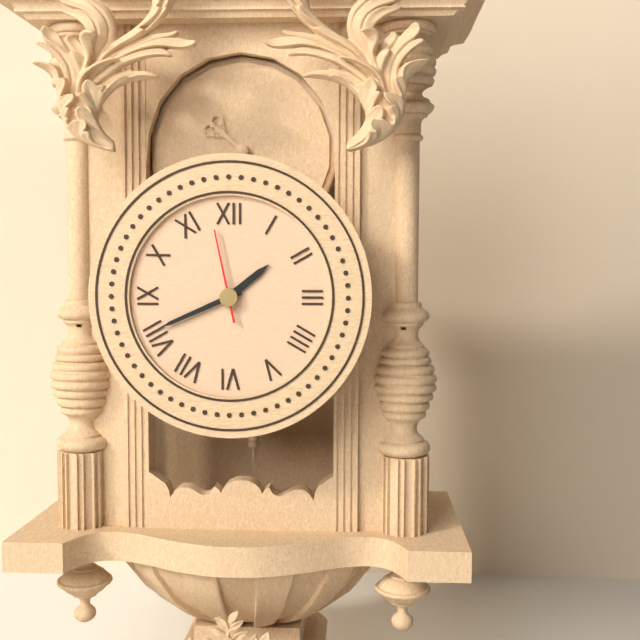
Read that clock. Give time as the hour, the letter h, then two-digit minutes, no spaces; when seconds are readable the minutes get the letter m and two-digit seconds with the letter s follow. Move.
1h41m58s
